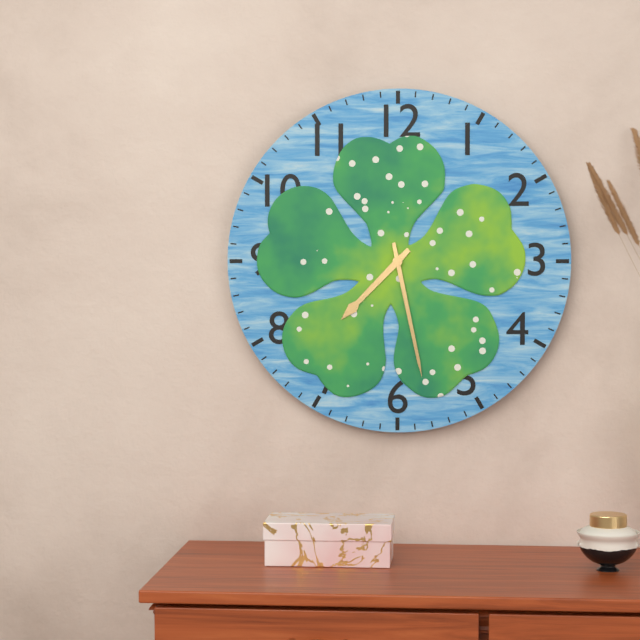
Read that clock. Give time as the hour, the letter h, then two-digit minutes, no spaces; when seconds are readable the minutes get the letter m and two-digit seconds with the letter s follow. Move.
7h28
